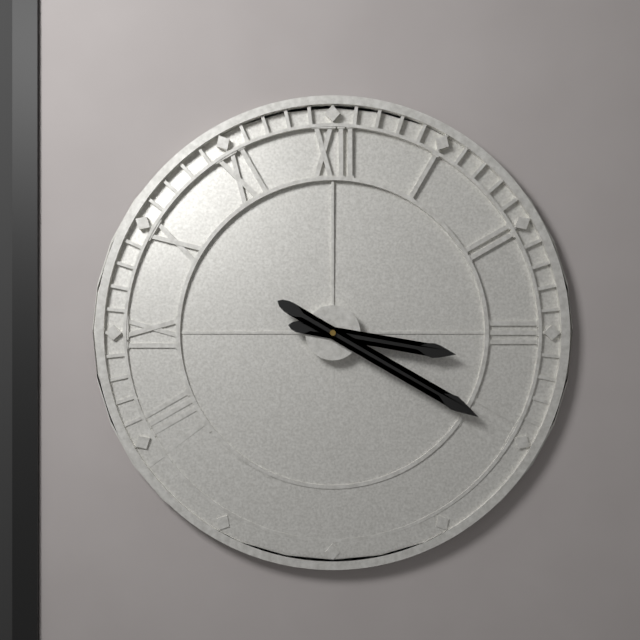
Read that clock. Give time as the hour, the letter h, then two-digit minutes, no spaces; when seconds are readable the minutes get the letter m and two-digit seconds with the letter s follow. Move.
3h20
